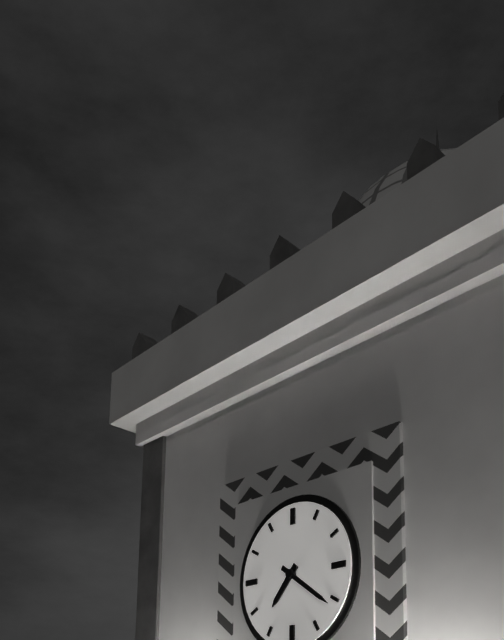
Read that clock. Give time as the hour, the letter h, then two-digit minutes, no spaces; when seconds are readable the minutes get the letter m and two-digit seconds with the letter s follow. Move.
7h21
